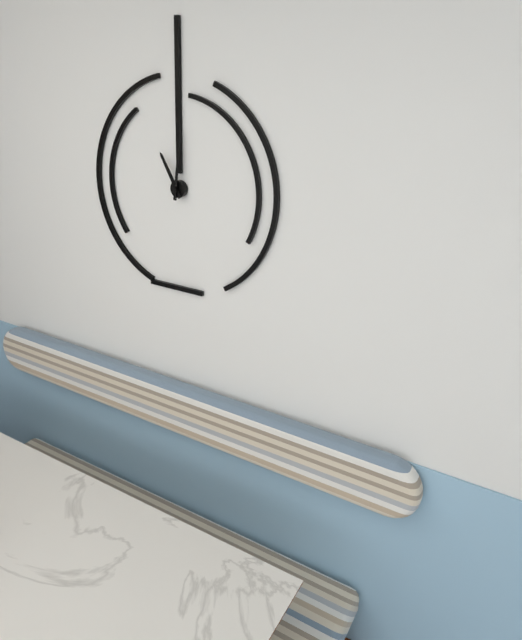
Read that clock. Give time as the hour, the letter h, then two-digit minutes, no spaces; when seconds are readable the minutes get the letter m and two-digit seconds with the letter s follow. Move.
11h01
